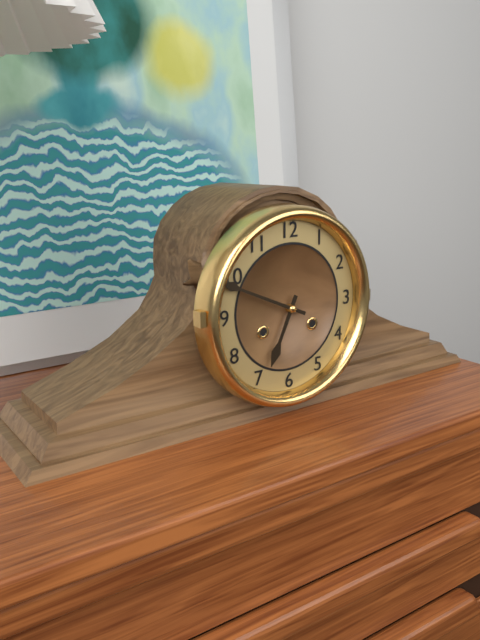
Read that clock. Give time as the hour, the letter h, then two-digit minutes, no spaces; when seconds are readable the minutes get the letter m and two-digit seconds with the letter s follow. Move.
6h49
